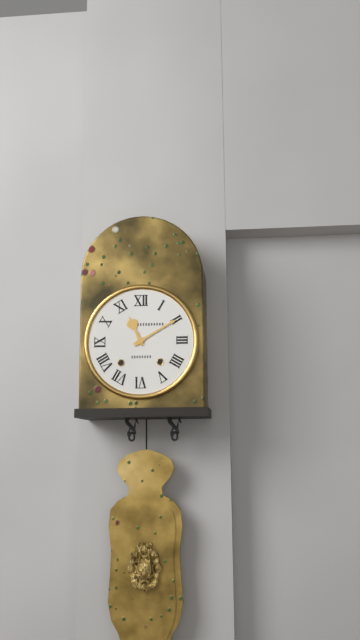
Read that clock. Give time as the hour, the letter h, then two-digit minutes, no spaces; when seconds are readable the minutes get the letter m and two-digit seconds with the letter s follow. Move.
11h10
